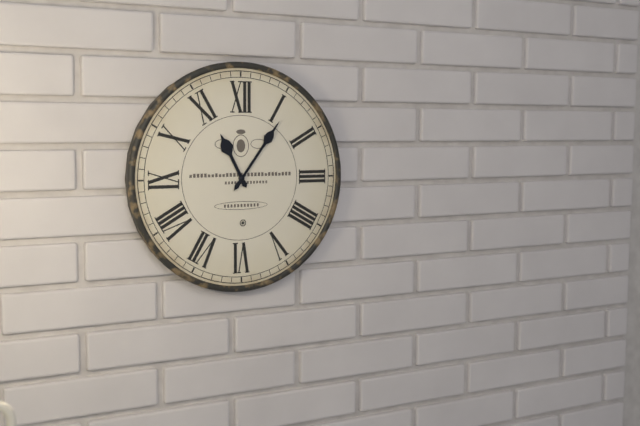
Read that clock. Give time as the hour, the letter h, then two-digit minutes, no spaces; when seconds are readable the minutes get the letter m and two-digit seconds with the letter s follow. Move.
11h06
